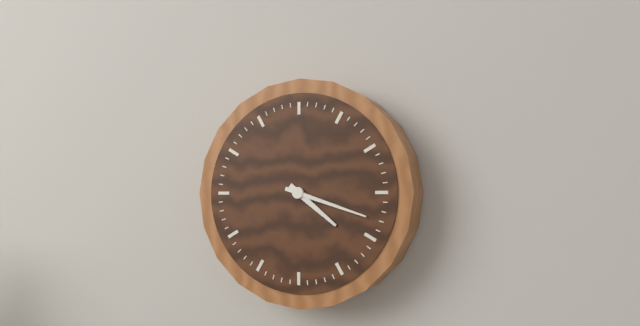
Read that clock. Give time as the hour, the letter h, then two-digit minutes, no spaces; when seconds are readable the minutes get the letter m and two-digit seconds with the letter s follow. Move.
4h18
